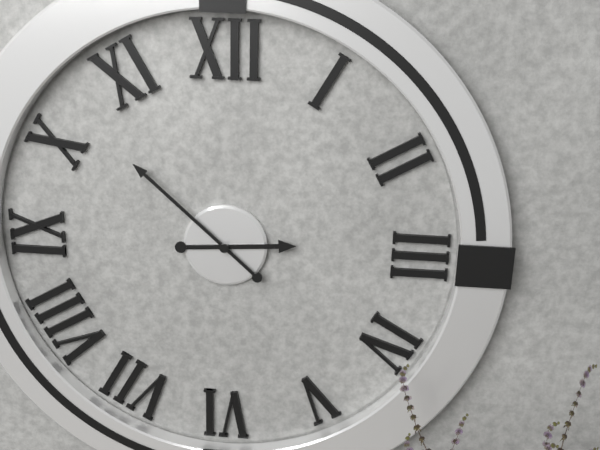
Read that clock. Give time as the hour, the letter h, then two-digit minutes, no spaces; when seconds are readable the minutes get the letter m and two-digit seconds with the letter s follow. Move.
2h52
